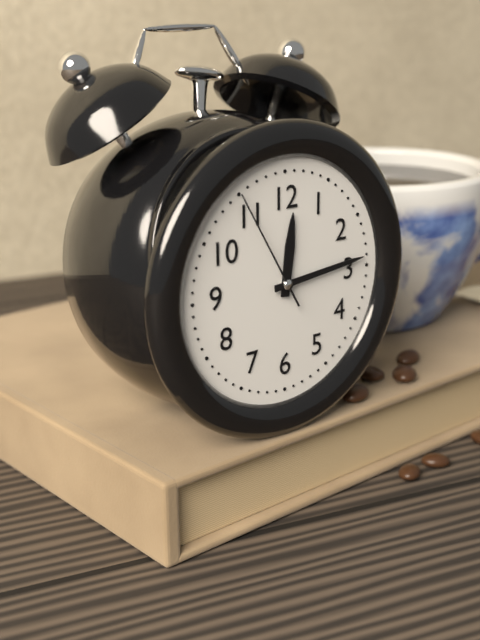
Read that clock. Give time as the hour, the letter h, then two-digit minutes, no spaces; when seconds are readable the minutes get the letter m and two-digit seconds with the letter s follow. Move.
12h14m55s
